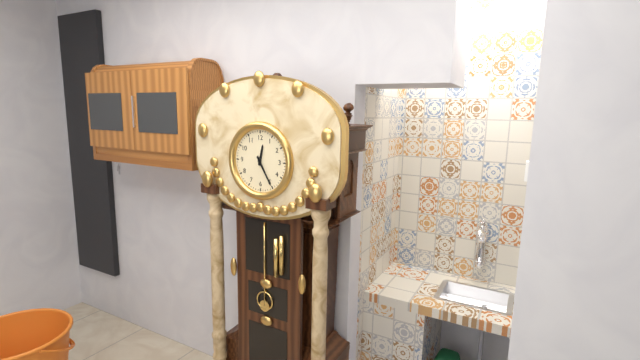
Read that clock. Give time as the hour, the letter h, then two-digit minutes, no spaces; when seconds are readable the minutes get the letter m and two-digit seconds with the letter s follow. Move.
12h25
